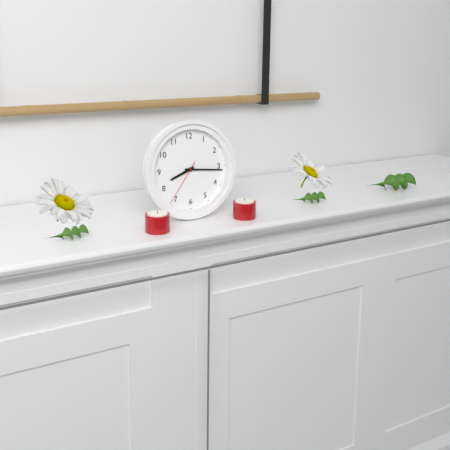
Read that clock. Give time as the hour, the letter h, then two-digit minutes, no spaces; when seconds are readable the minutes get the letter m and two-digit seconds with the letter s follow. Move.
8h16m36s
